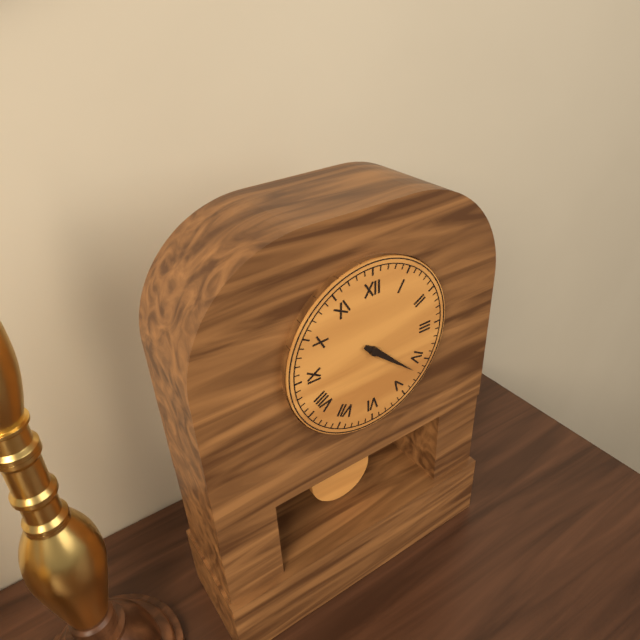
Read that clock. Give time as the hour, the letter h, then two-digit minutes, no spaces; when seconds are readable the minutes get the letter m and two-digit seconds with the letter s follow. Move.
4h22
